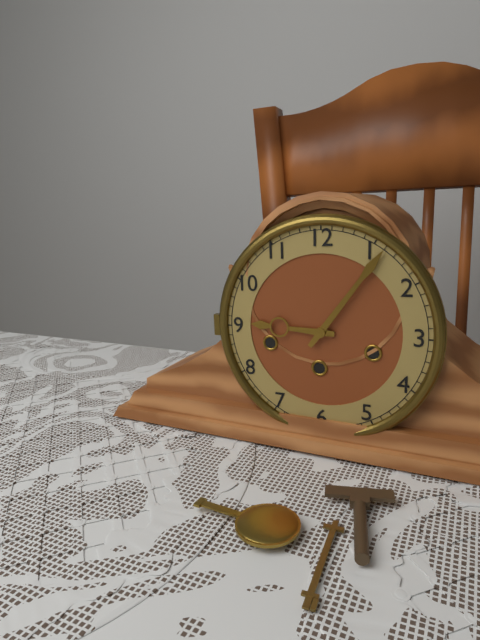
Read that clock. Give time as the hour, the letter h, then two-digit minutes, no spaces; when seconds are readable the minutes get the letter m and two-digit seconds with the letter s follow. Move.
9h06
